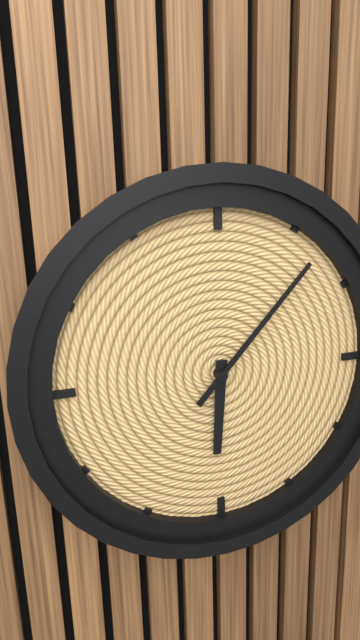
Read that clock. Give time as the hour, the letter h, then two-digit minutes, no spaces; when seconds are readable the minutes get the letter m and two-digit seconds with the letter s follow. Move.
6h07
